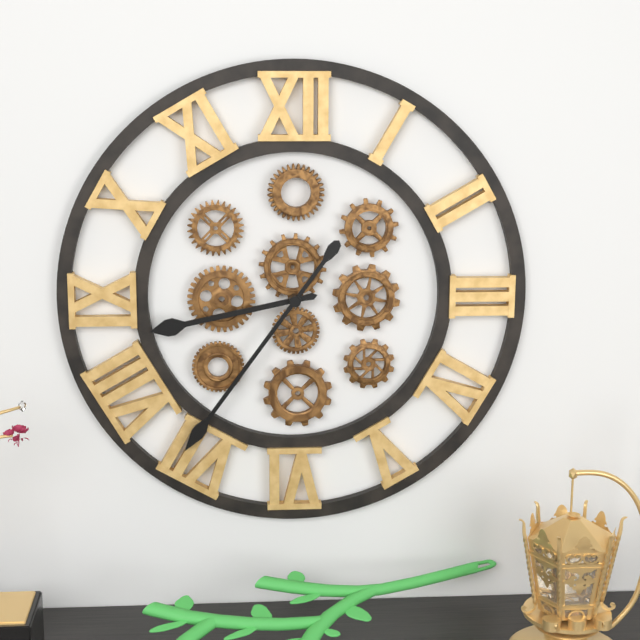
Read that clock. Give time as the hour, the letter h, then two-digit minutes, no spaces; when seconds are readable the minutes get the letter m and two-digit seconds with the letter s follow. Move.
8h36
